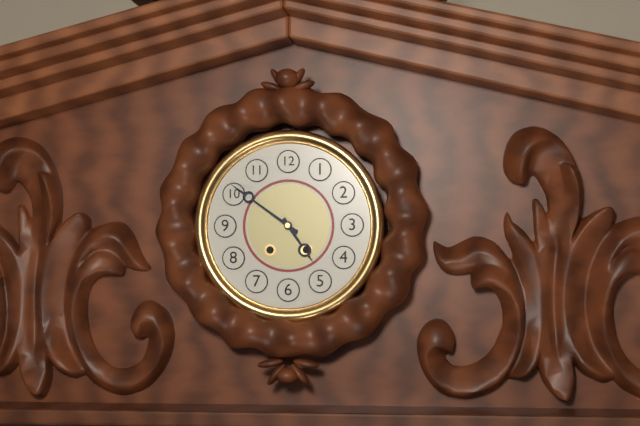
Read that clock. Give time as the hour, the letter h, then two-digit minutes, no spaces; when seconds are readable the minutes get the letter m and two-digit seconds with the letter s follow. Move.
4h51
